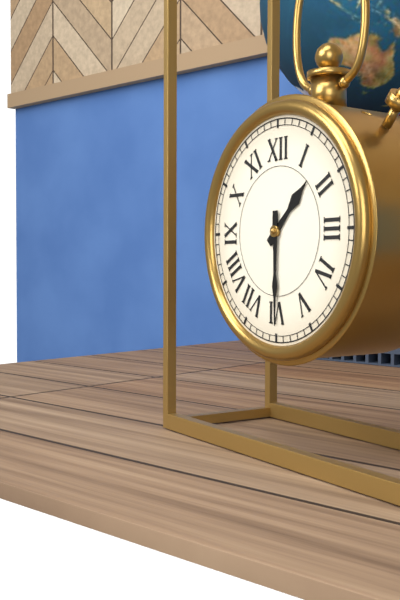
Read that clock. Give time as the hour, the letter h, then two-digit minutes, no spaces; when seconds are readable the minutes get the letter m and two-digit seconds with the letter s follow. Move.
1h30
